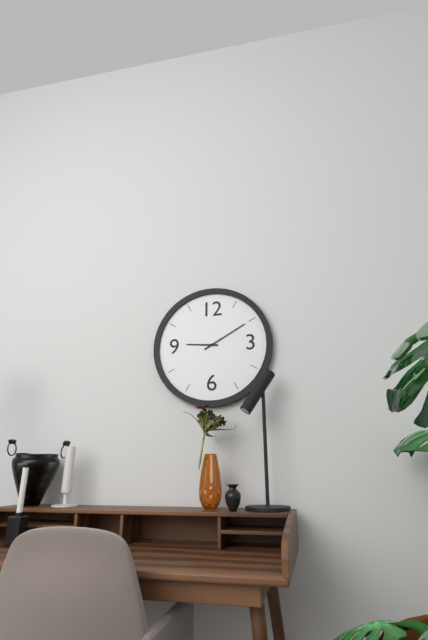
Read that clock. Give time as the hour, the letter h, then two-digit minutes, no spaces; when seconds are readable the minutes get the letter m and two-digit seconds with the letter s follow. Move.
9h10
